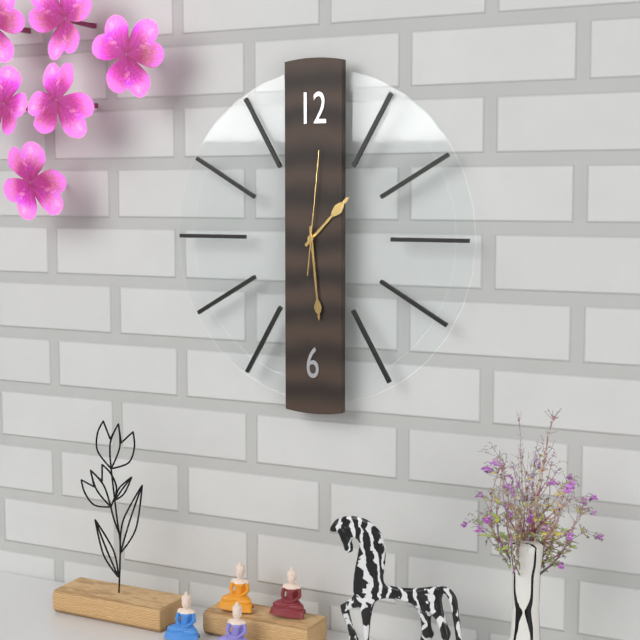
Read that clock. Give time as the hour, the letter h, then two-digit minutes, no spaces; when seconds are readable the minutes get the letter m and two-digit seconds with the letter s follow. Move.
1h29m01s
